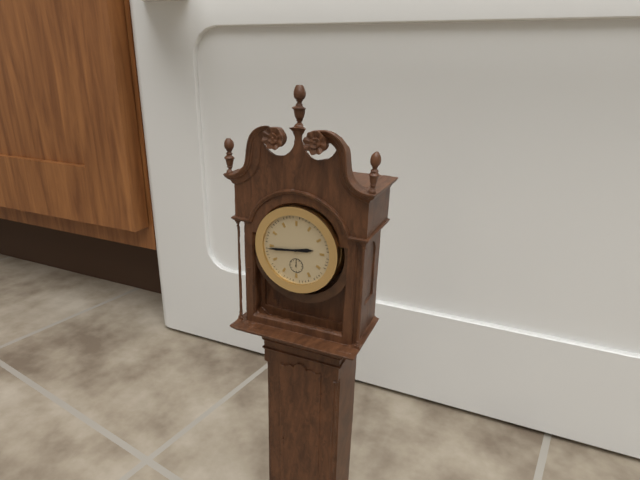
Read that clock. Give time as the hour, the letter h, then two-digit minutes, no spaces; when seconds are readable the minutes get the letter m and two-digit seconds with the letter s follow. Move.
2h44
